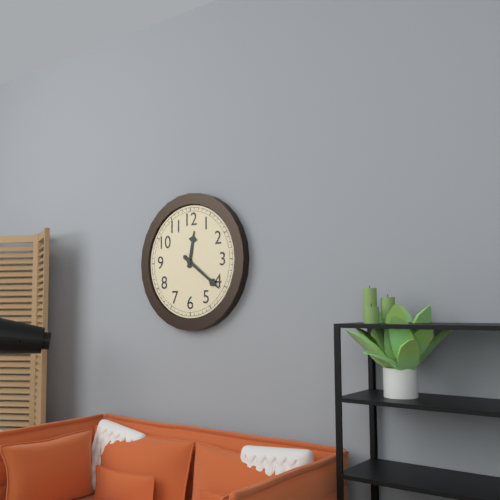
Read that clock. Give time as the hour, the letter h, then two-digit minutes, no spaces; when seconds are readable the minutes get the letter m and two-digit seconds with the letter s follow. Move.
12h21
